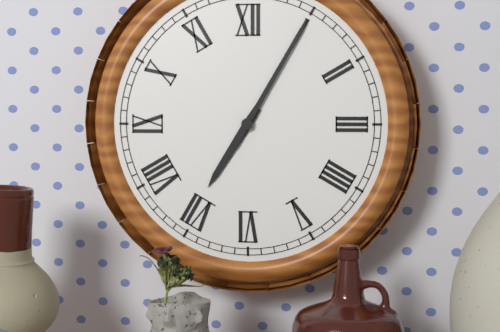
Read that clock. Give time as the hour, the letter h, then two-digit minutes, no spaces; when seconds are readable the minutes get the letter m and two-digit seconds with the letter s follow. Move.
7h05
